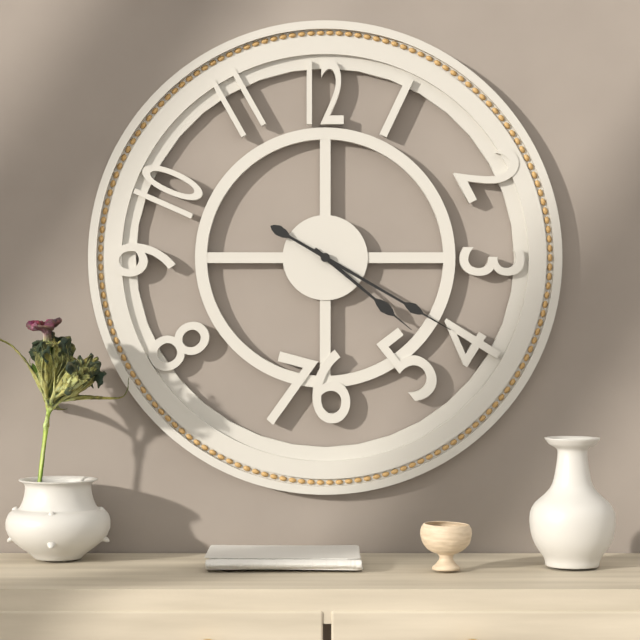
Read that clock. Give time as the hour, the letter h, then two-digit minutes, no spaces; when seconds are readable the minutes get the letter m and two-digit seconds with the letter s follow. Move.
4h20
